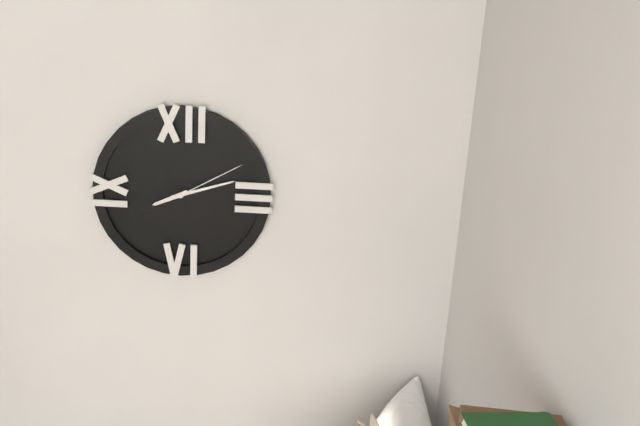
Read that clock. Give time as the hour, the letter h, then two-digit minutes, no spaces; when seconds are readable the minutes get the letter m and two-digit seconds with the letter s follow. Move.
8h12m10s
